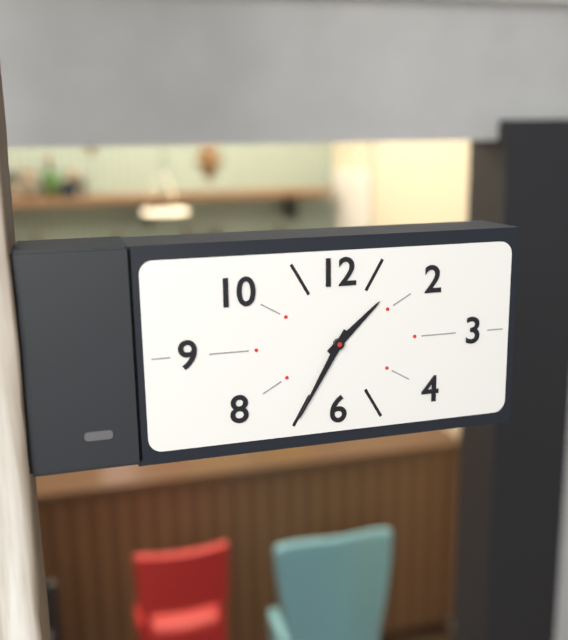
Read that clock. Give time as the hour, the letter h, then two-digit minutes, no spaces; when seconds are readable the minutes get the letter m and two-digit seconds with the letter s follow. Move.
1h35
